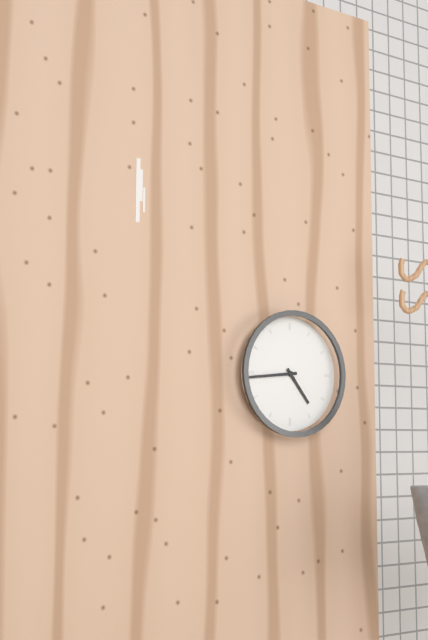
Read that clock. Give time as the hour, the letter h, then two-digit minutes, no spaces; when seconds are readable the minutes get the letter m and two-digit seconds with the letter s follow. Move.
4h44
